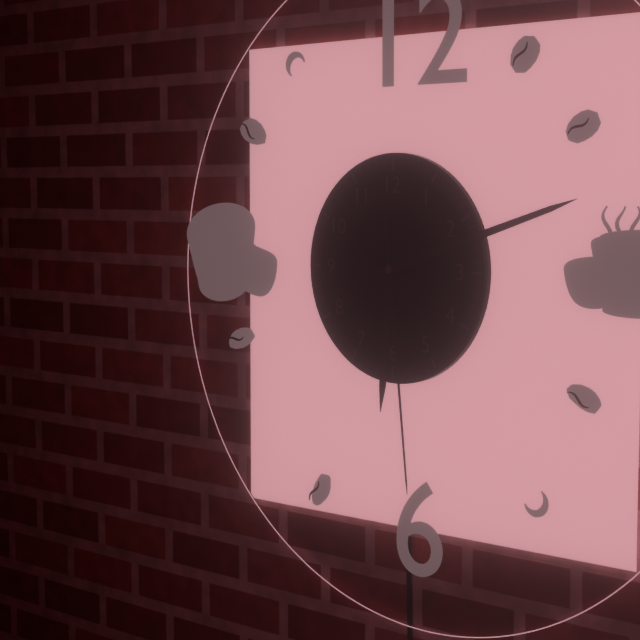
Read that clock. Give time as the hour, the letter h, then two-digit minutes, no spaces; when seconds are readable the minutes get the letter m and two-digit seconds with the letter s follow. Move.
6h12m29s
